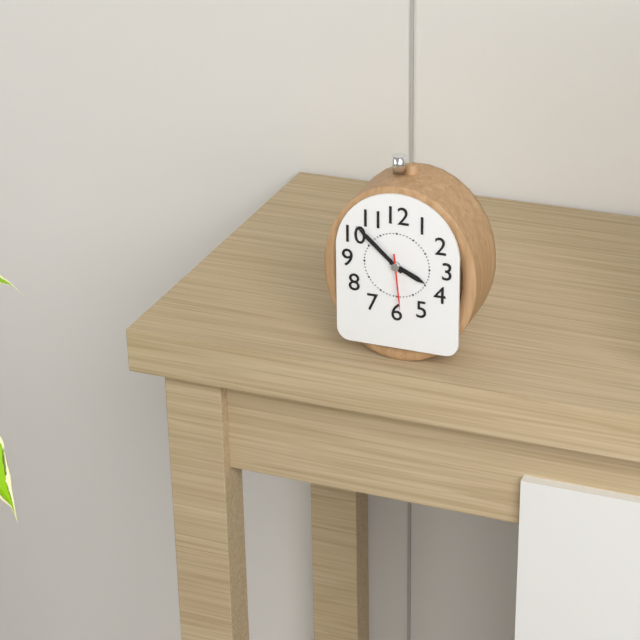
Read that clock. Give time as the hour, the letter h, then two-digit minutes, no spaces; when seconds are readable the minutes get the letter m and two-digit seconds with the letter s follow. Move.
3h52m29s
